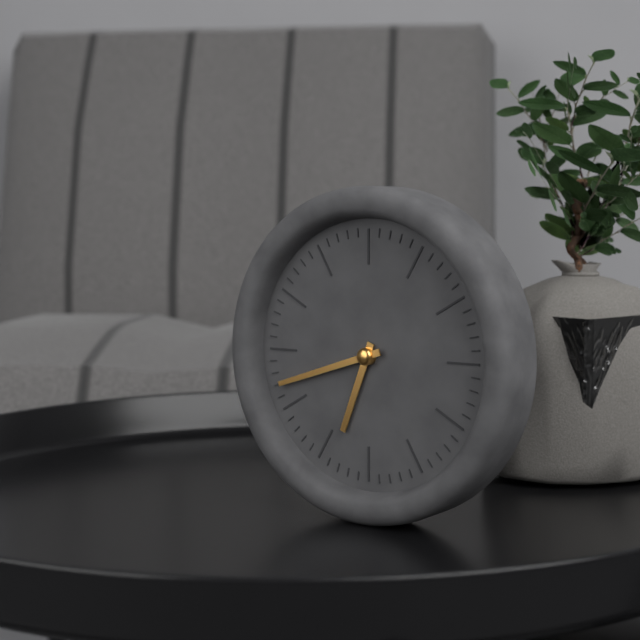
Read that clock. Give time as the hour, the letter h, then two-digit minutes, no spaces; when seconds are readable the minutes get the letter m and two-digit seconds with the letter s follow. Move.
6h42
